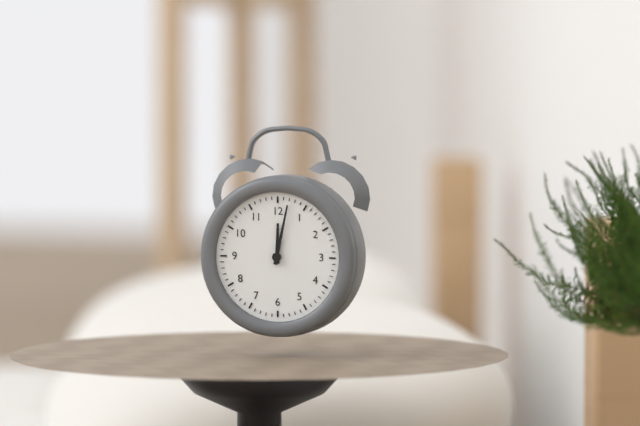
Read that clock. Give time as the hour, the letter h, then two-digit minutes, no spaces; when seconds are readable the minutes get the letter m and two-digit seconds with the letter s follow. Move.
12h02
